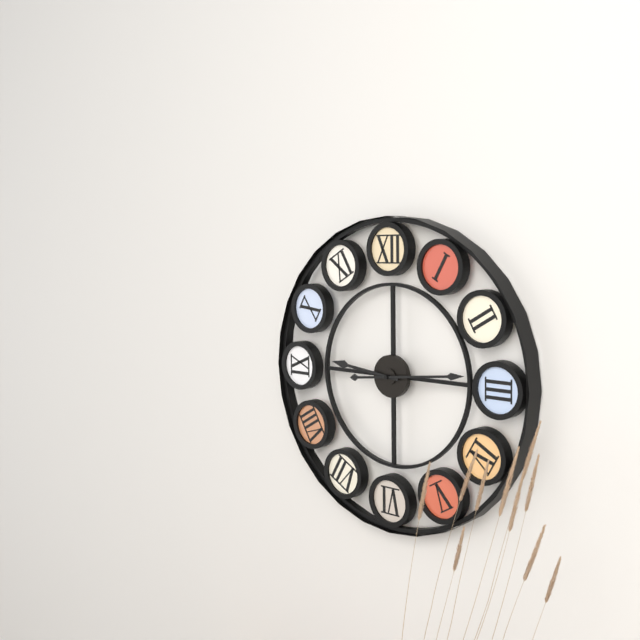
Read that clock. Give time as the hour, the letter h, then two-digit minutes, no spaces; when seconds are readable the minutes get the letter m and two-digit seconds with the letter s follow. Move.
9h14
